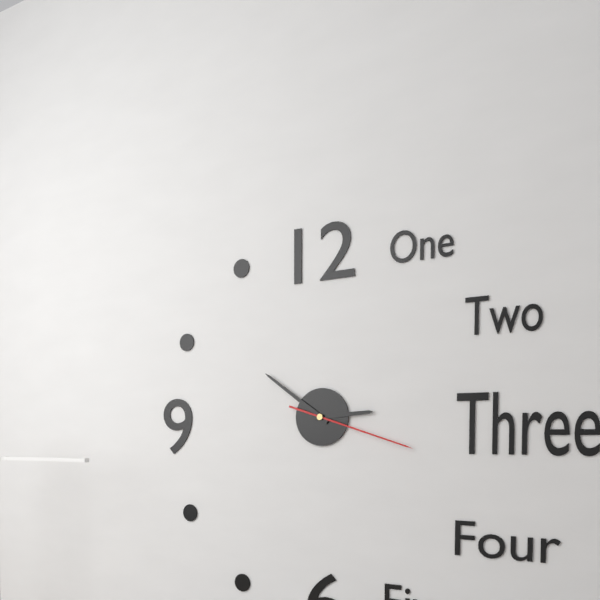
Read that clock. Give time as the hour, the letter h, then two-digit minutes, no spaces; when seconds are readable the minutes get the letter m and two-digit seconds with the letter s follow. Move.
2h51m18s
